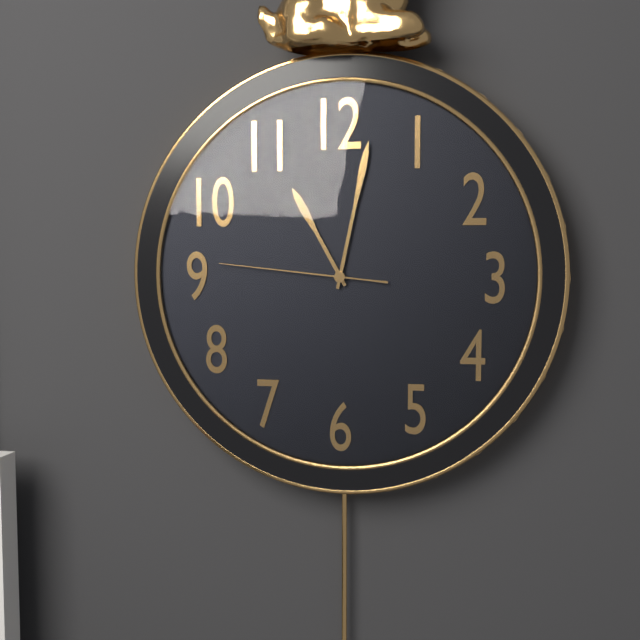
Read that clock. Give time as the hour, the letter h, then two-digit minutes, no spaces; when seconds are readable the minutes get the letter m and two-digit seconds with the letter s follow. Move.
11h02m46s
